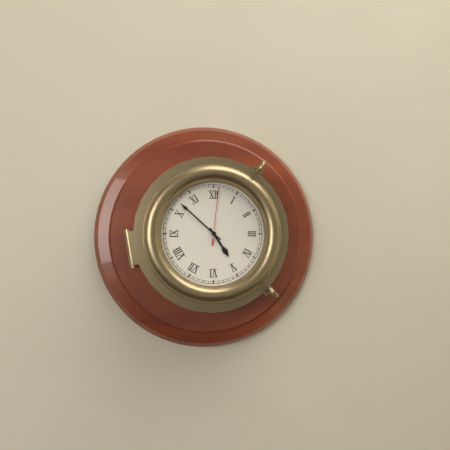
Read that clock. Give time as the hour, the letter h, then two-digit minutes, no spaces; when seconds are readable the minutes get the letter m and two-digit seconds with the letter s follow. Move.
4h52m01s
